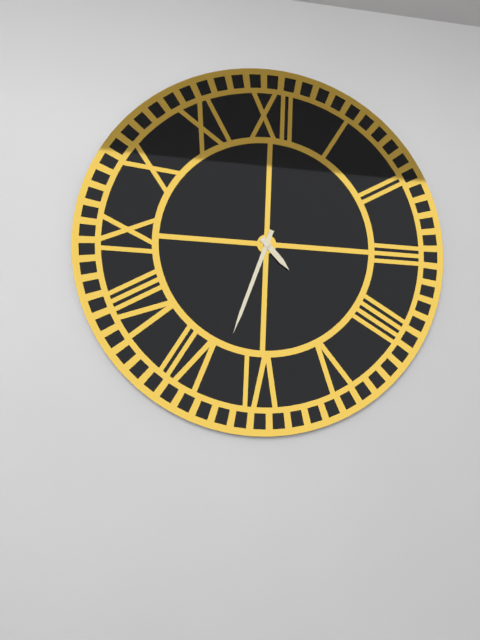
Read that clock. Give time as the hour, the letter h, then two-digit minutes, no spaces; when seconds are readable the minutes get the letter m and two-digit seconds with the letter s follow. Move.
4h33
